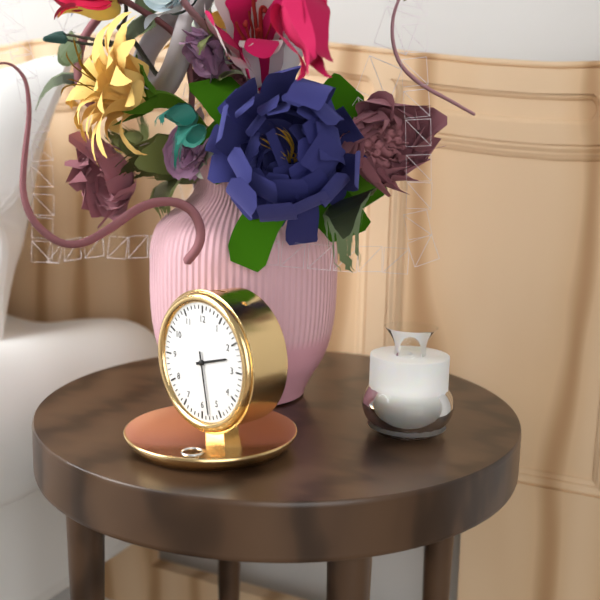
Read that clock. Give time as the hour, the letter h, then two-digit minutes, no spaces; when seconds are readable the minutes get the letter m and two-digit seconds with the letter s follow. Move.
2h28
